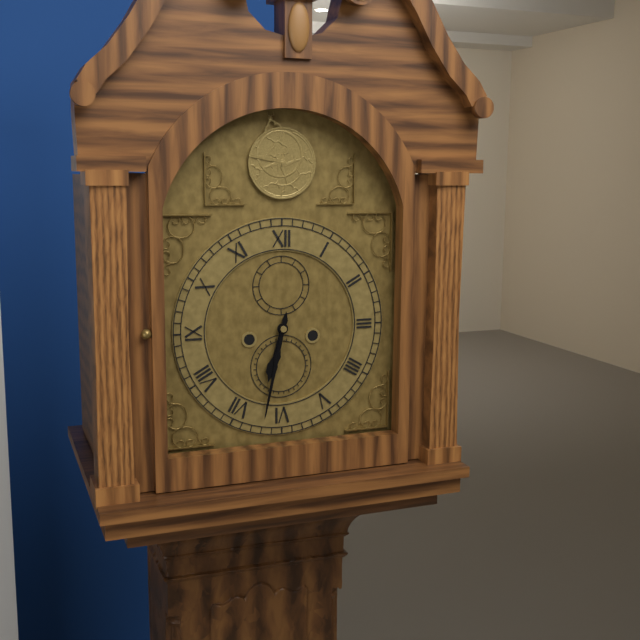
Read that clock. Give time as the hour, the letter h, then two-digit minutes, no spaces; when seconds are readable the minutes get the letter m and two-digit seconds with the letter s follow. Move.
6h32
